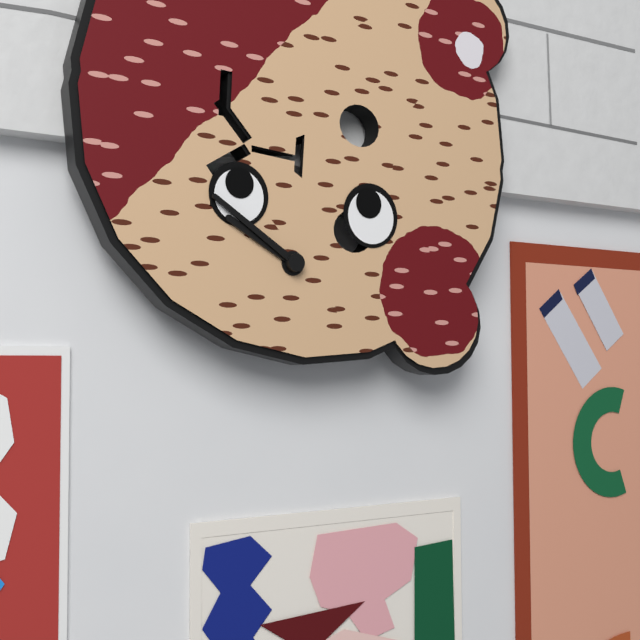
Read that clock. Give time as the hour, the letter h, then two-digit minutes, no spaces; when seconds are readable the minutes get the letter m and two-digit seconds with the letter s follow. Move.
9h50
